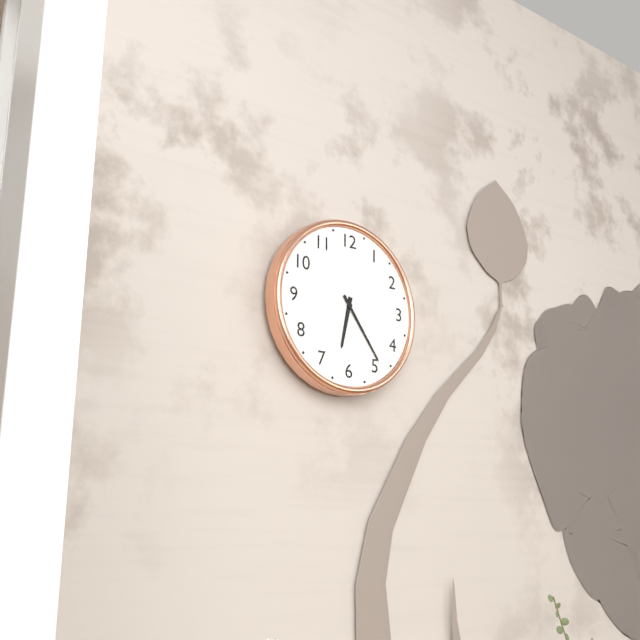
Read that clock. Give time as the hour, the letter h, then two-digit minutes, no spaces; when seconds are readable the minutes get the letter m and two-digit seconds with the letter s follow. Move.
6h24
